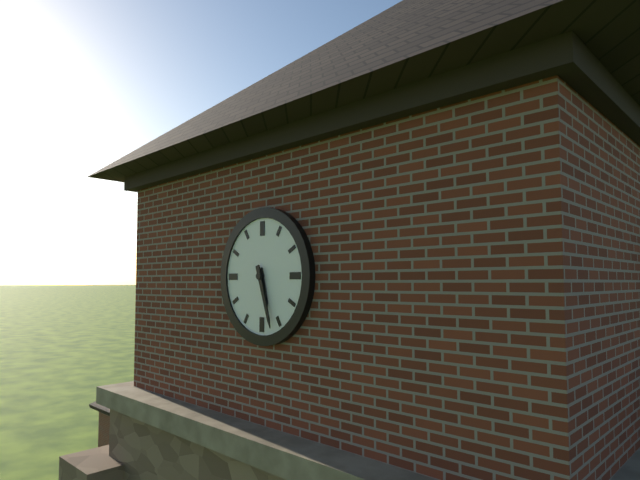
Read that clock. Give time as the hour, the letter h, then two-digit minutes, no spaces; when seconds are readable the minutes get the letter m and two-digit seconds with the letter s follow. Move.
5h27
